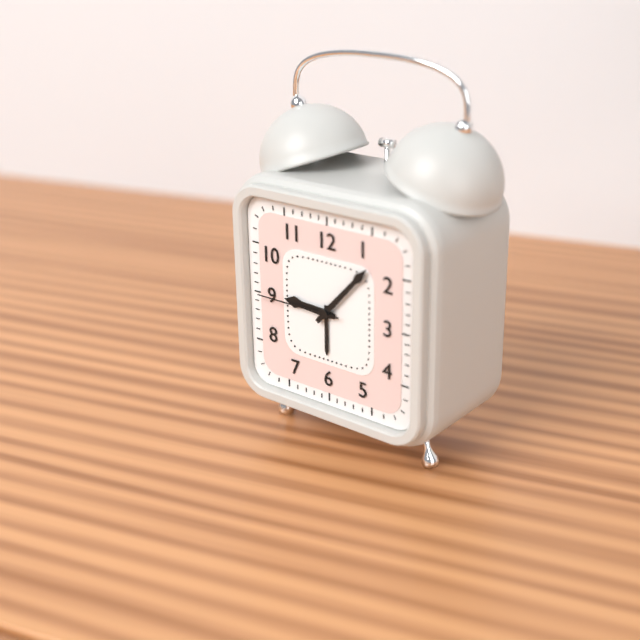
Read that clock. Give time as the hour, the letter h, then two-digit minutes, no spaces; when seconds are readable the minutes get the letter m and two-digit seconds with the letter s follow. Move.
9h07m45s
